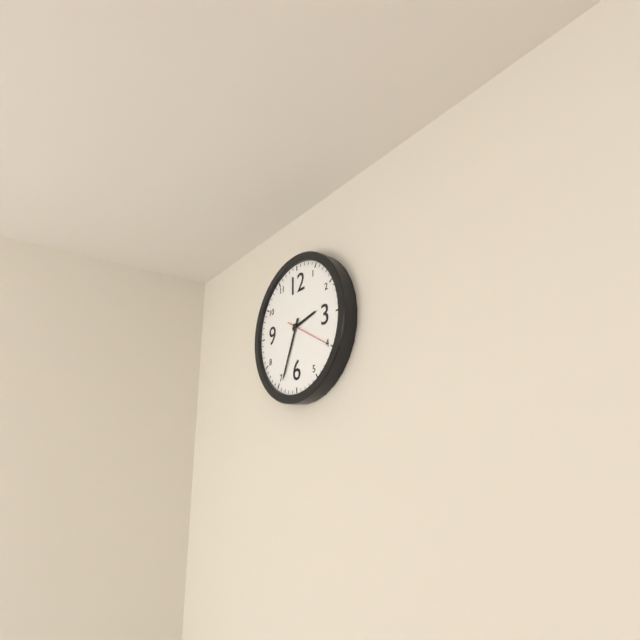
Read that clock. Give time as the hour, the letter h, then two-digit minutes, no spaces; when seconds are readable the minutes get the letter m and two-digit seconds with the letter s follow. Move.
2h34
